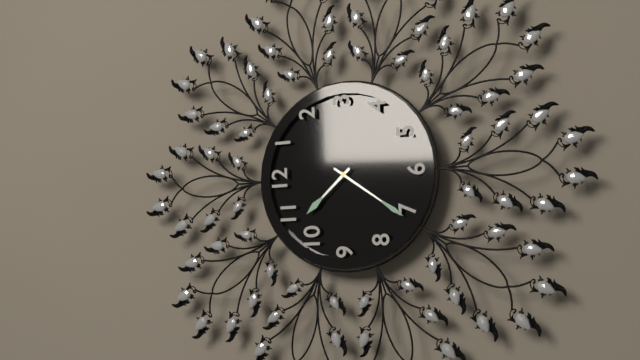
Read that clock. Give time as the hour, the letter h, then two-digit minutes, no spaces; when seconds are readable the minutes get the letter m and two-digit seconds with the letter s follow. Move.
10h36
